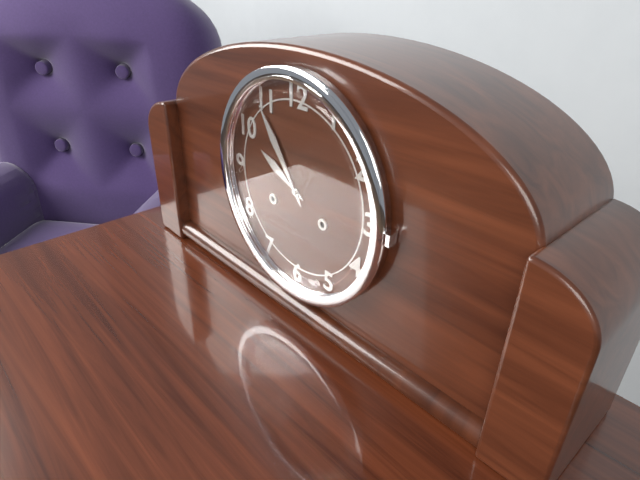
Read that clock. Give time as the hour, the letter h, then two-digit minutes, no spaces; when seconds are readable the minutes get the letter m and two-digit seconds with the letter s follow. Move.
9h54
